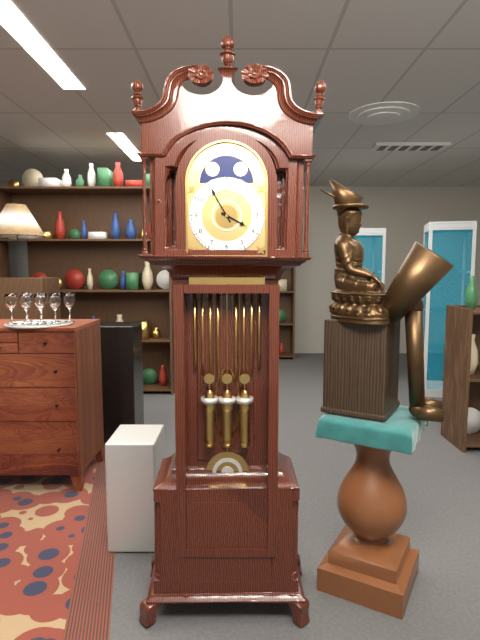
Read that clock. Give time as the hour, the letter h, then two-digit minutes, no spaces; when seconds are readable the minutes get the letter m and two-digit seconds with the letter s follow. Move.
3h55
